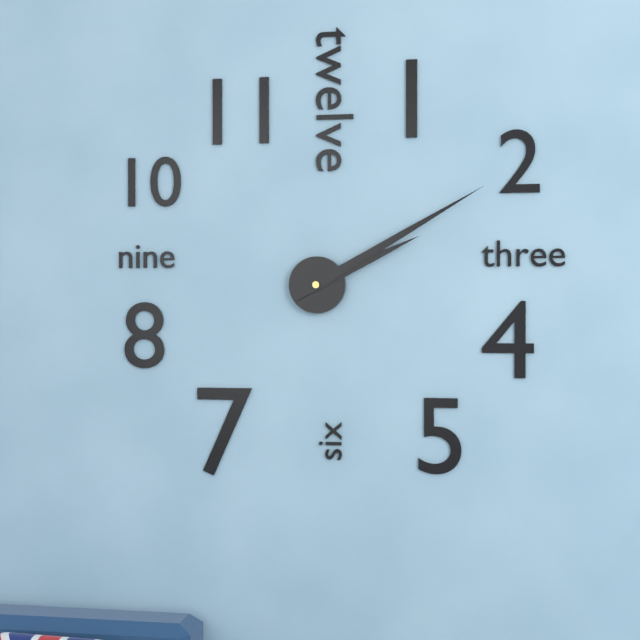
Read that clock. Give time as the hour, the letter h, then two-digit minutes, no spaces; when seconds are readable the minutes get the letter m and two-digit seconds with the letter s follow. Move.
2h10
